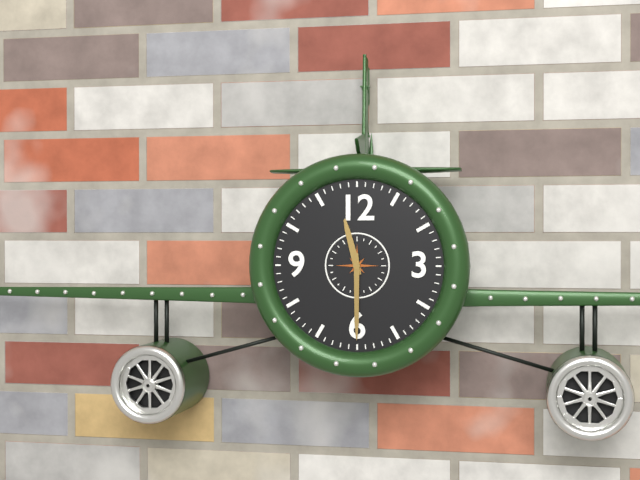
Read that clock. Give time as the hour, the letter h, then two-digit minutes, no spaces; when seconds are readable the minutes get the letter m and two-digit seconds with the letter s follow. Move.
11h30
